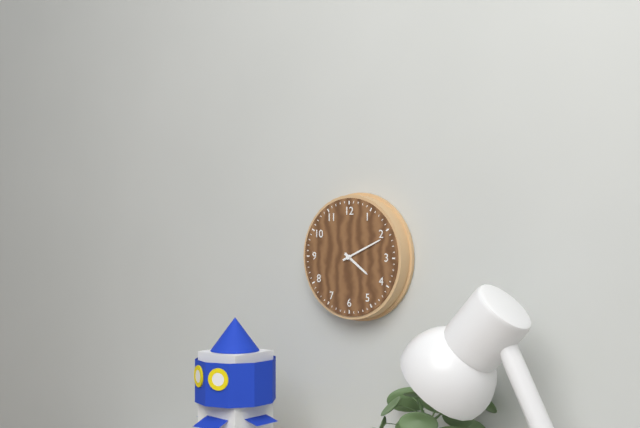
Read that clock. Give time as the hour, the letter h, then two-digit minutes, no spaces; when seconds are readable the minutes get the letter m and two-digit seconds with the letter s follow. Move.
4h11
